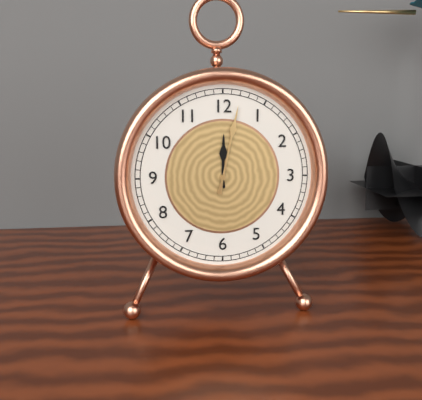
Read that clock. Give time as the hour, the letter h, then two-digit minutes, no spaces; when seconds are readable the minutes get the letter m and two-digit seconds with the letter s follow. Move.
12h02
